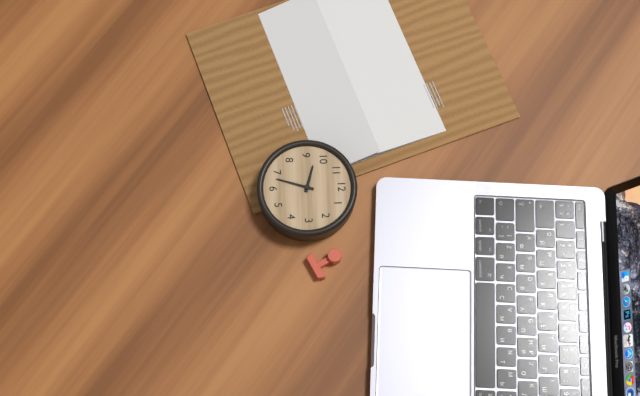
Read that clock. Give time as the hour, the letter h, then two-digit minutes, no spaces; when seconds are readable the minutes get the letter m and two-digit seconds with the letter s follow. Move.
9h33
